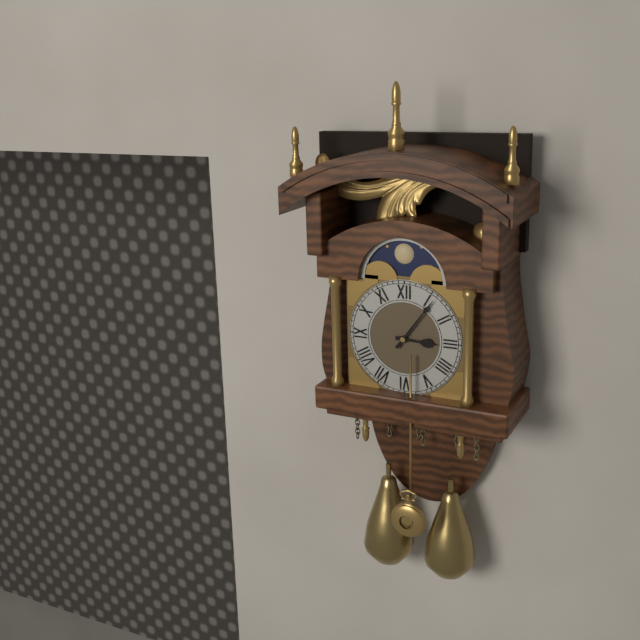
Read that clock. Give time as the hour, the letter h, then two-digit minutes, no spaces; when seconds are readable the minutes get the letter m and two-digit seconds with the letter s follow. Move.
3h06
